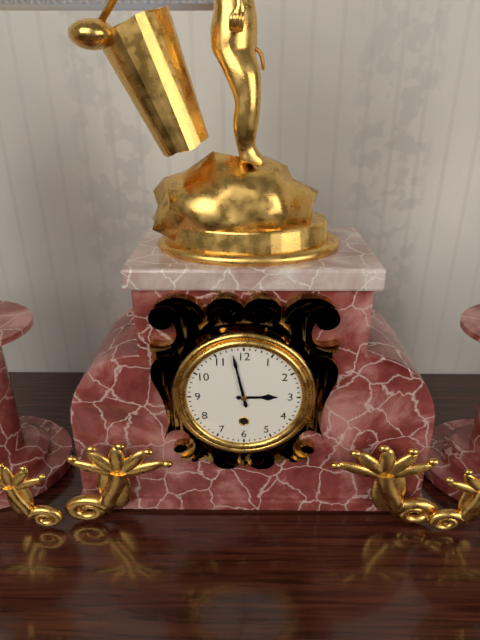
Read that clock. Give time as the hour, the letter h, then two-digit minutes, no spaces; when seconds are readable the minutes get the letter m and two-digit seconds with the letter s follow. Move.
2h58
